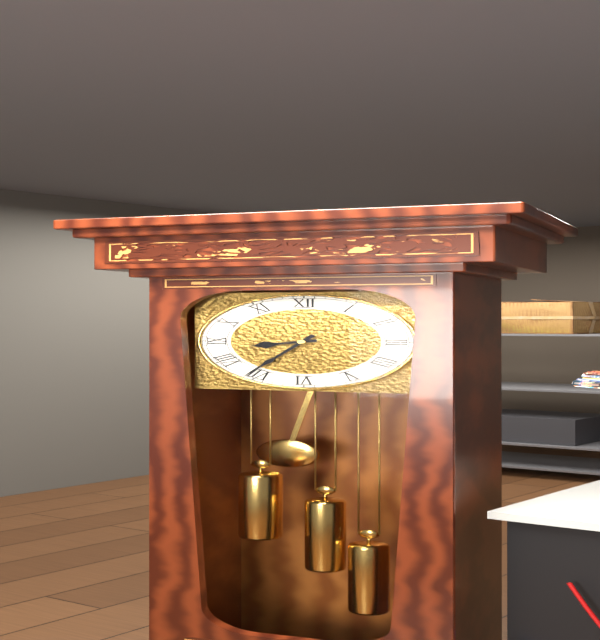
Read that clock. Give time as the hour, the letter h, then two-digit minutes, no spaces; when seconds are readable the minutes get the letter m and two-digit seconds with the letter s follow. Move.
8h36
